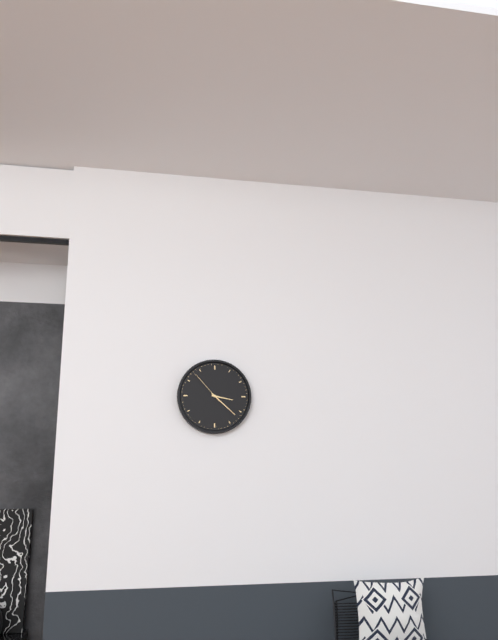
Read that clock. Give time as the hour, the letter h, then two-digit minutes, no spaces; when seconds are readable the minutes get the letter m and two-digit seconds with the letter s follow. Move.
3h22
